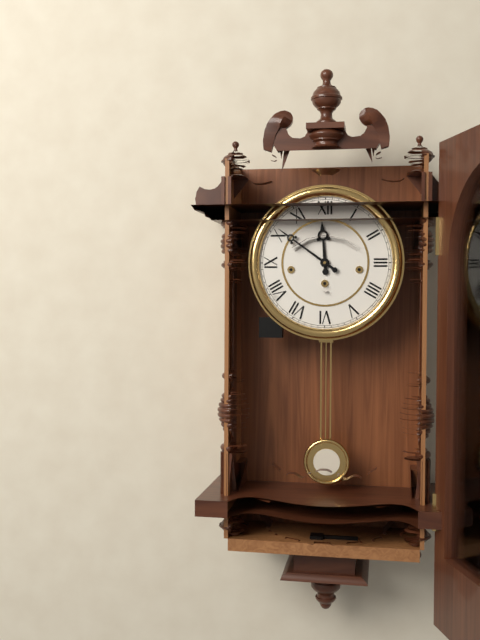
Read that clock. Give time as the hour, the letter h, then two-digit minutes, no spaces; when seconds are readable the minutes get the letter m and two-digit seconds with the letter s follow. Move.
11h51
